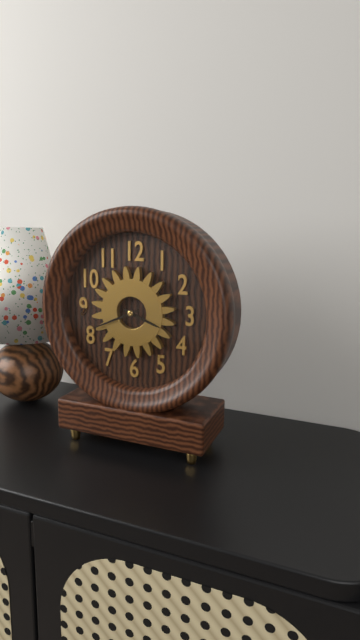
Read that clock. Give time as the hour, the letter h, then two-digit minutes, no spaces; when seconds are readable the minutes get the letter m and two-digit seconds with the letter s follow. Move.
3h41
